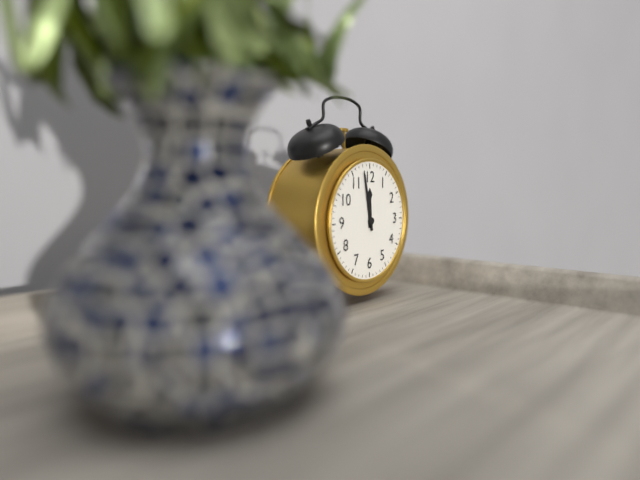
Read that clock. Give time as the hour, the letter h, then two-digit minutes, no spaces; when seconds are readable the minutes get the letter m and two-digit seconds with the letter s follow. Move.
11h58
